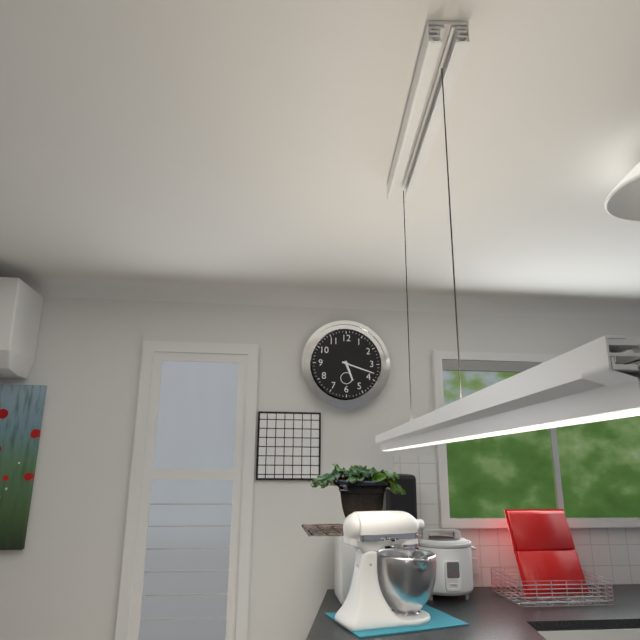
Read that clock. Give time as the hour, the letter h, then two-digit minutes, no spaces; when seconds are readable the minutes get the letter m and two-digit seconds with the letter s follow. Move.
5h18
